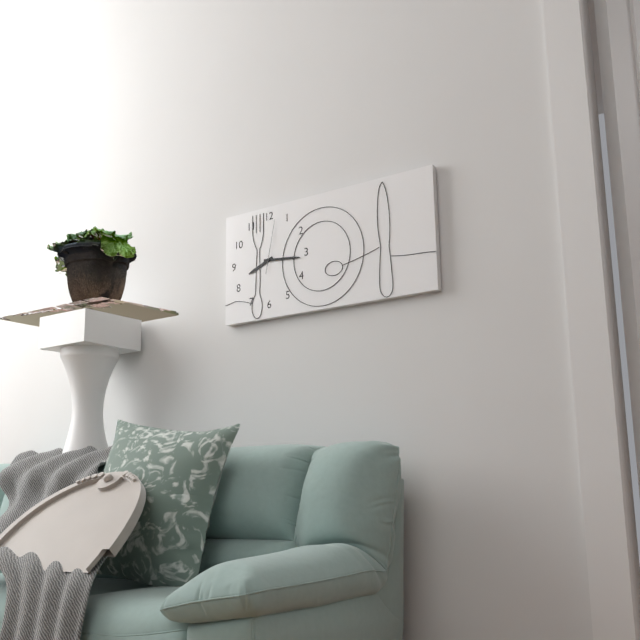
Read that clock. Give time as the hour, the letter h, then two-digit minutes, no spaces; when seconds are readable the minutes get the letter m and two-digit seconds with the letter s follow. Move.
8h16m02s
